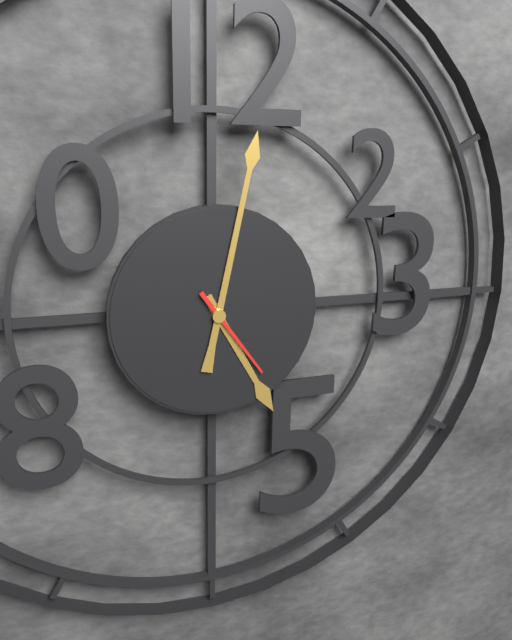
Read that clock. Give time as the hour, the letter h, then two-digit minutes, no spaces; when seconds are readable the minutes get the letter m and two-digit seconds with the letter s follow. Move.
5h02m24s
